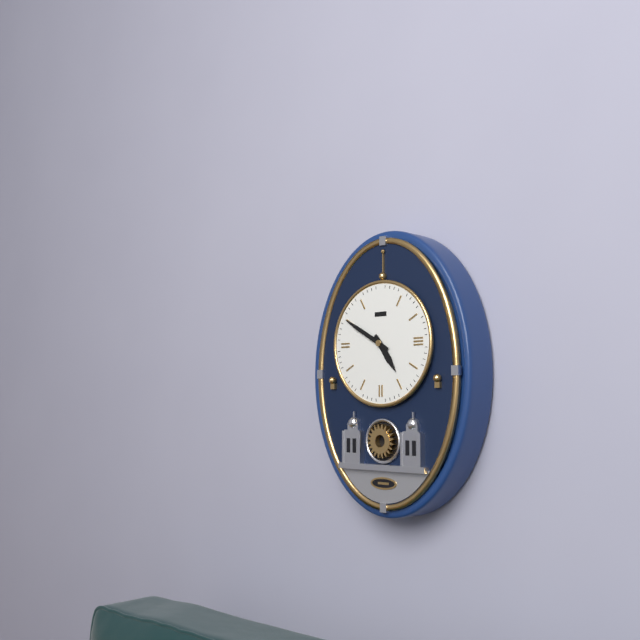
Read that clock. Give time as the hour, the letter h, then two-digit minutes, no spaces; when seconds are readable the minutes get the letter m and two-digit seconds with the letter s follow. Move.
4h50
